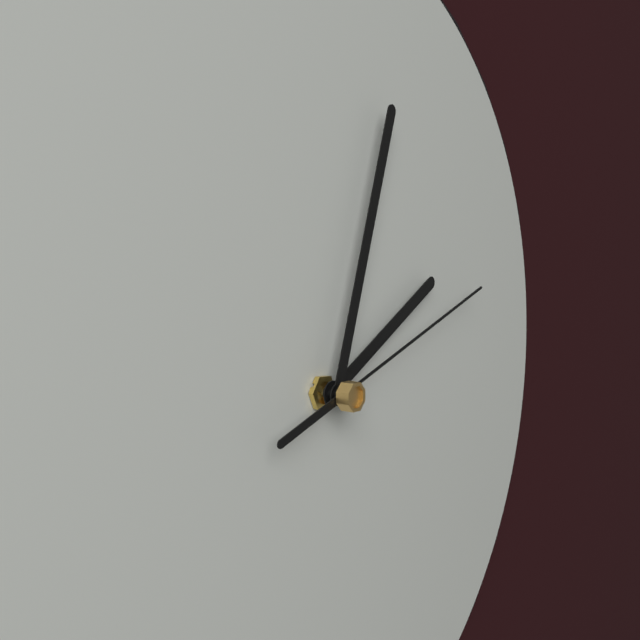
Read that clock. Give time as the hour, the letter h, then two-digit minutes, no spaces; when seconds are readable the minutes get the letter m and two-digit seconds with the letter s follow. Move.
2h03m12s
